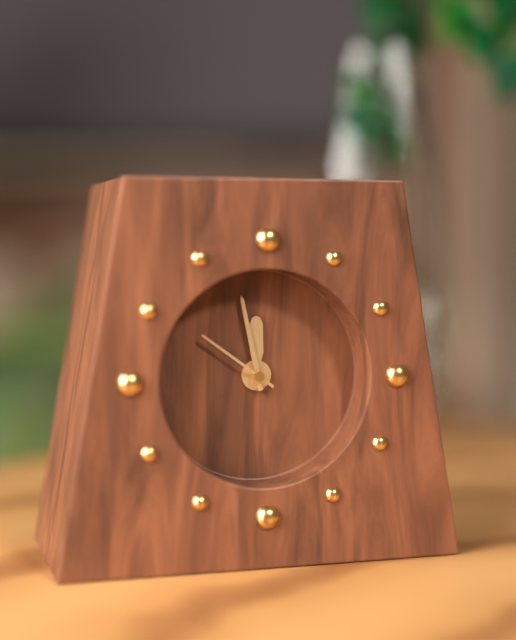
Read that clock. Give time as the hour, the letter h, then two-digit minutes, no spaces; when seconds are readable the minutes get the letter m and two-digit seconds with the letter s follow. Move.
11h58m51s
